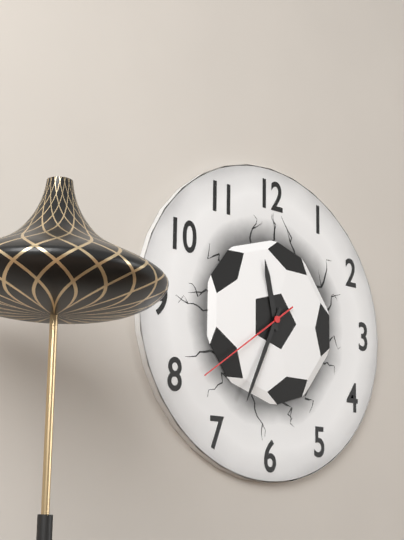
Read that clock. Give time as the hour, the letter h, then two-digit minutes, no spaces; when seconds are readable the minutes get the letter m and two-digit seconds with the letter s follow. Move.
11h34m39s
